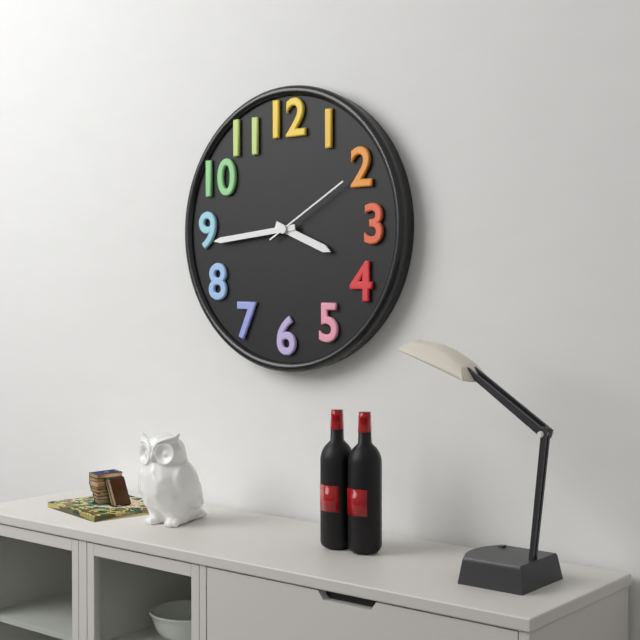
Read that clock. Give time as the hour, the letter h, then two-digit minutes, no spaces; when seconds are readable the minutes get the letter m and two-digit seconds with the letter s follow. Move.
3h44m10s
